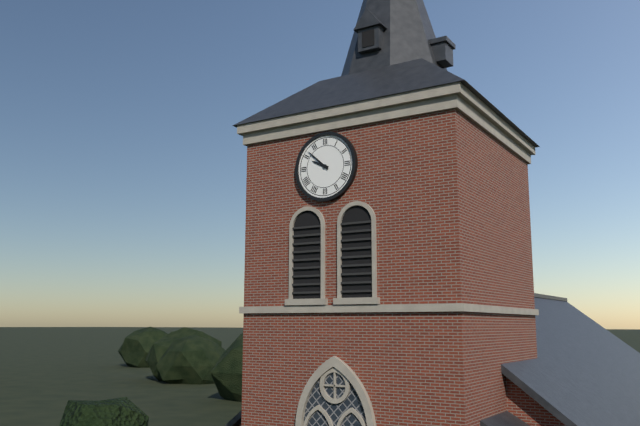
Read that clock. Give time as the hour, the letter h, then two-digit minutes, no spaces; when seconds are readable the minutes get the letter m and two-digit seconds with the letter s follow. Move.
9h52
